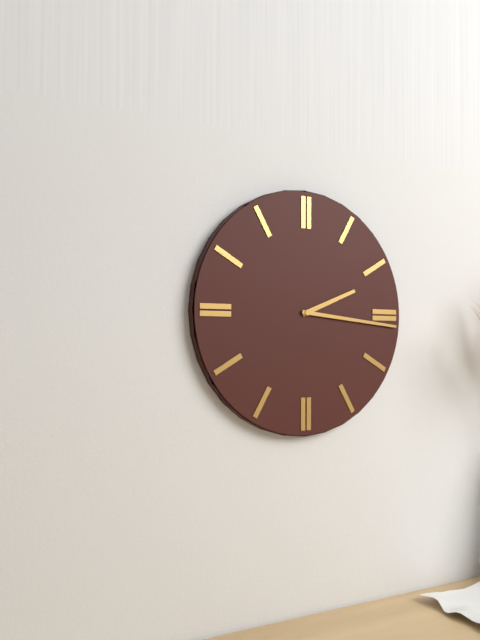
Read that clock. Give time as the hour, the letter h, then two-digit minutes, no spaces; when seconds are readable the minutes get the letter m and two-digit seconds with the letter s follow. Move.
2h16
